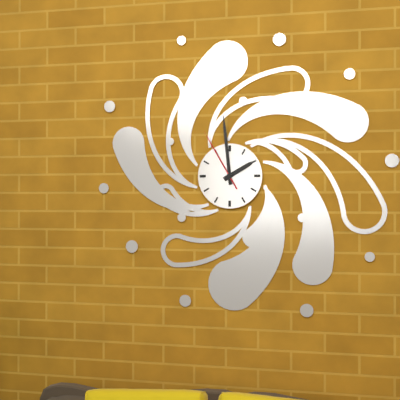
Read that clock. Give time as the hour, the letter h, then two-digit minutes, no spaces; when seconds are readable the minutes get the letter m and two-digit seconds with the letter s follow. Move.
1h59m55s
